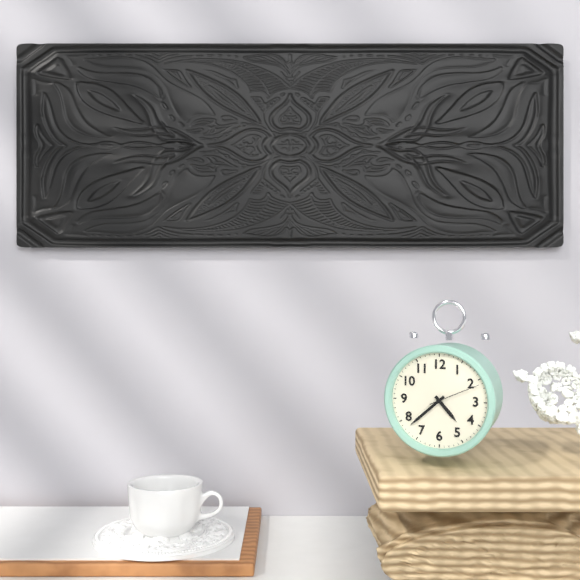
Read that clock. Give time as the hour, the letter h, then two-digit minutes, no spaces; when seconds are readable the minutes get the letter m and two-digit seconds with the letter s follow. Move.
4h38m11s
